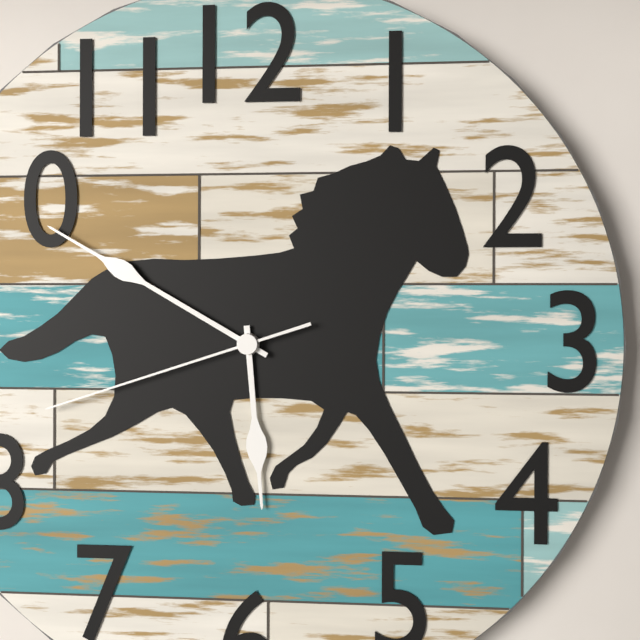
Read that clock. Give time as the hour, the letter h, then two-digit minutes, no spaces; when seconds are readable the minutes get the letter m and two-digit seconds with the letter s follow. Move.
5h50m42s
